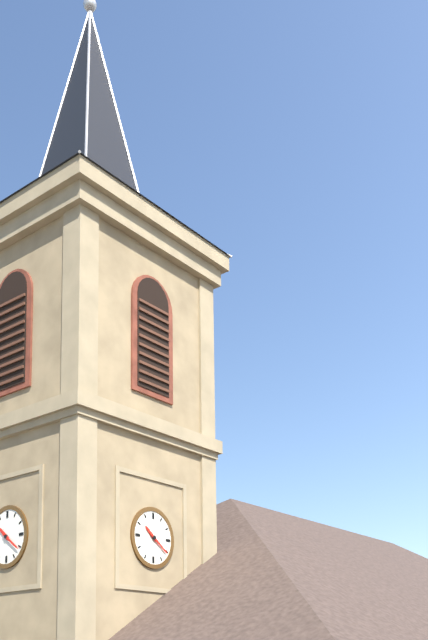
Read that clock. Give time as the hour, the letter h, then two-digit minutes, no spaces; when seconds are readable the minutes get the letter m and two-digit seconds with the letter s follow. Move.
10h21
